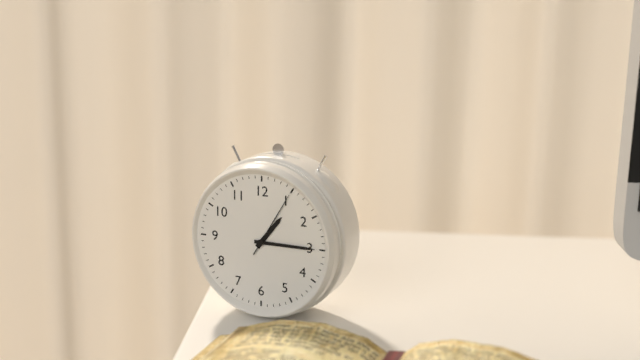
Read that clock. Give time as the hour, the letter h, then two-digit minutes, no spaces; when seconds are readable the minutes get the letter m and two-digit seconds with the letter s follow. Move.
1h15m05s
